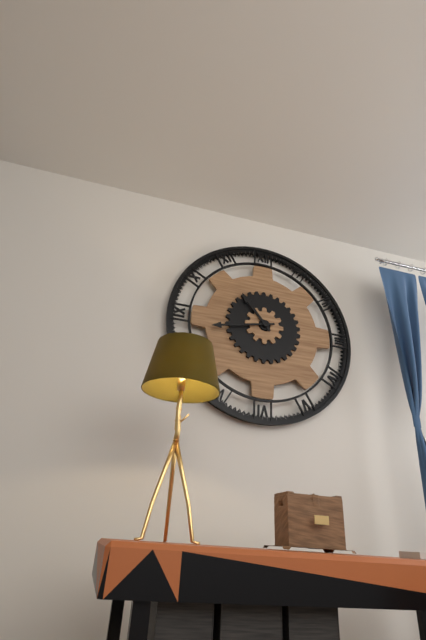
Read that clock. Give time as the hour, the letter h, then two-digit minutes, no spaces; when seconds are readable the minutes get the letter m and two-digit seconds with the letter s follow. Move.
10h43
